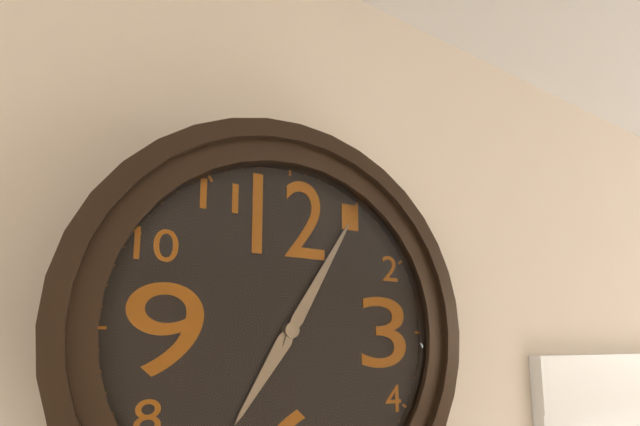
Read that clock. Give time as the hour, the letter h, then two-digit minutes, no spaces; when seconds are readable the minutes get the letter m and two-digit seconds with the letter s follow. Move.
7h05
